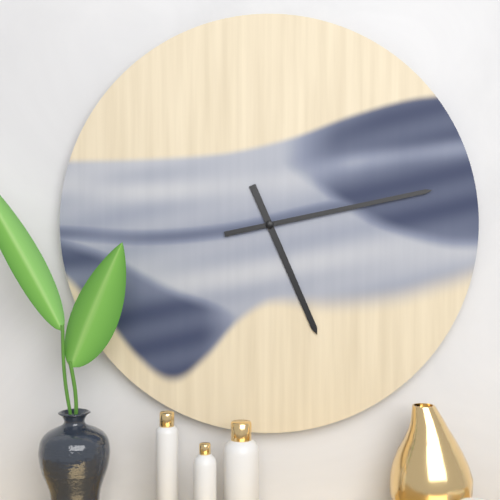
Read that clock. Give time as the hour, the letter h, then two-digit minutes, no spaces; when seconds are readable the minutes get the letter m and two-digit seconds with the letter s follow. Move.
5h13
